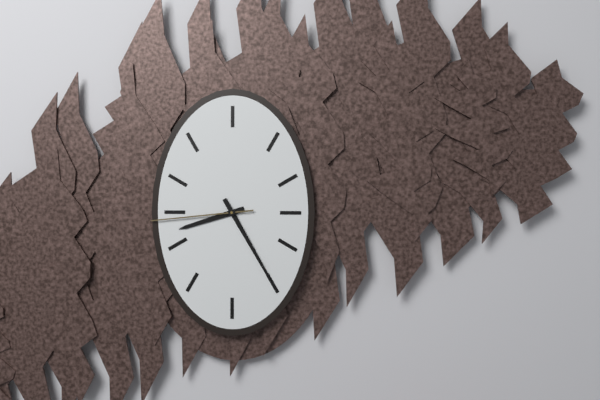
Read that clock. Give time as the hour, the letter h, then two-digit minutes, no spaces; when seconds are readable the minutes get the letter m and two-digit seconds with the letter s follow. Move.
8h25m44s
